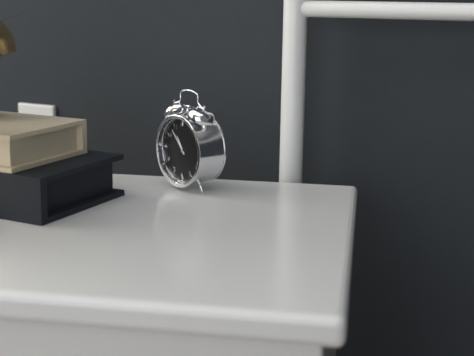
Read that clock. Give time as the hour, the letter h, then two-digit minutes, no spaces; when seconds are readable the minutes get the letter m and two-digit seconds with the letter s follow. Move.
10h53
